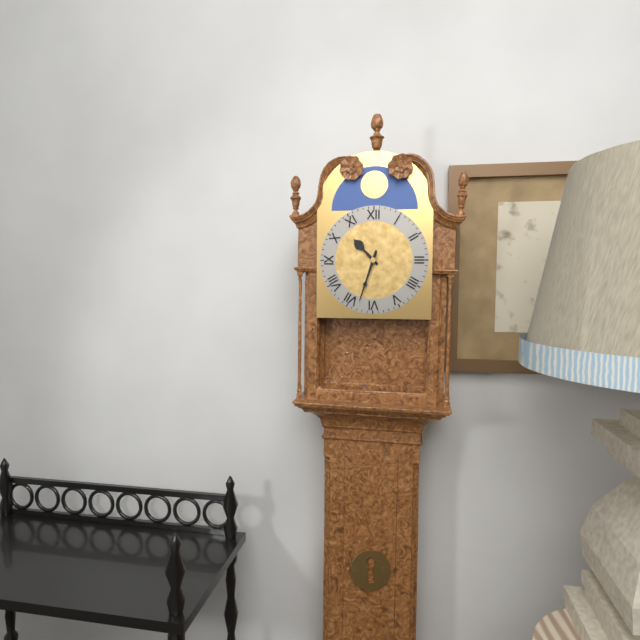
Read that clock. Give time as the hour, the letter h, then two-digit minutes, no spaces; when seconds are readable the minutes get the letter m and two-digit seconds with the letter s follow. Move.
10h33
